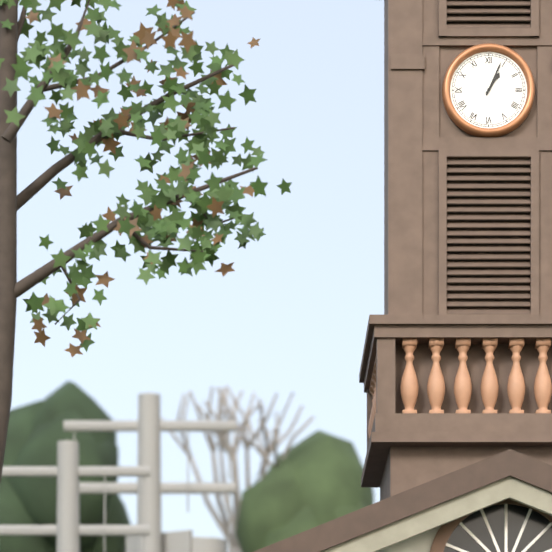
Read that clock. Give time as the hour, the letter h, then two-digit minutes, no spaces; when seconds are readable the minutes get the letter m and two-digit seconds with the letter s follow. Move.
1h04
